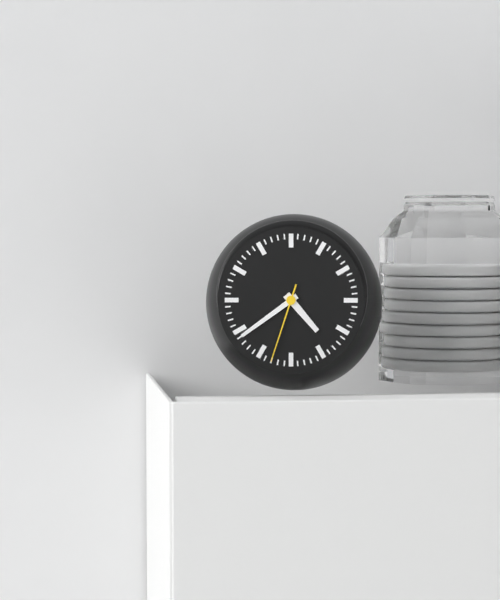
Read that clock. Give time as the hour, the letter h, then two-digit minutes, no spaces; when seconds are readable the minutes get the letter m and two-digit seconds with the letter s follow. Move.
4h39m33s
